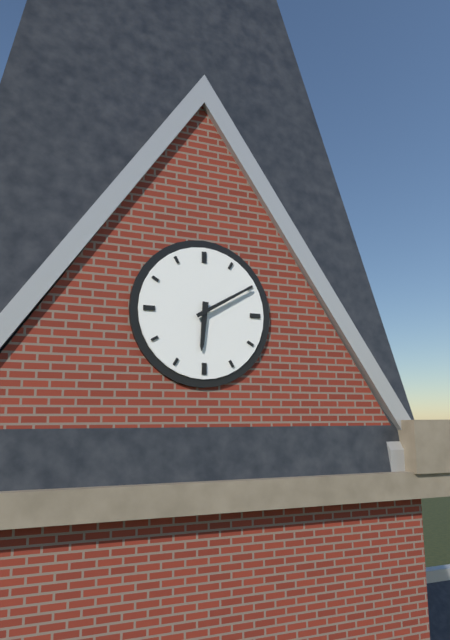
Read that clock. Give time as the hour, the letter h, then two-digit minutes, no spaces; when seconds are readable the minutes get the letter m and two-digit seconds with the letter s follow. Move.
6h10
